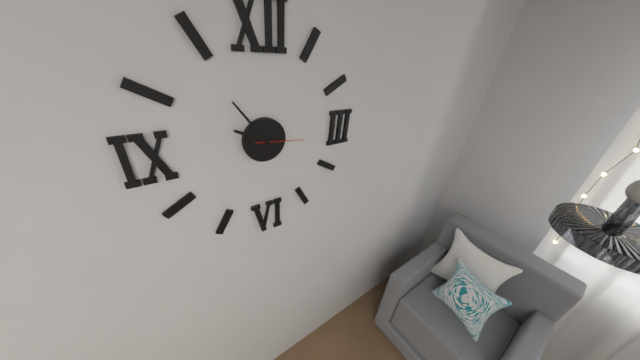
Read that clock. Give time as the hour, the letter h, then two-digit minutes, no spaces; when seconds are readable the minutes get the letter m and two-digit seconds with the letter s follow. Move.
9h54
